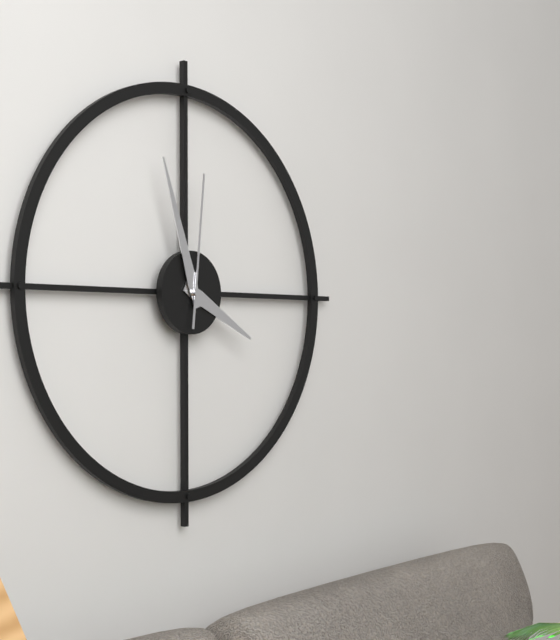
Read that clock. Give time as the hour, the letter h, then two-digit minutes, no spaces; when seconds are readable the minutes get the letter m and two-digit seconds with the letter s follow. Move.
3h57m01s
